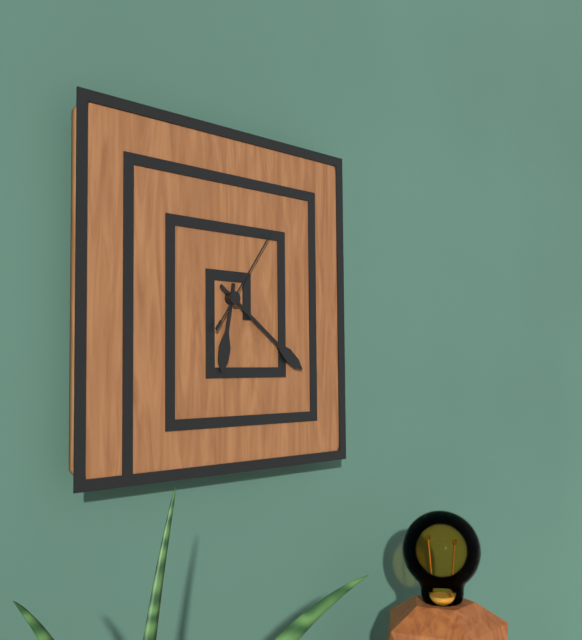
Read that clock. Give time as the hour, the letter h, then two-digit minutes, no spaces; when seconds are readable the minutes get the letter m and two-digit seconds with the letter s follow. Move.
6h21m06s
